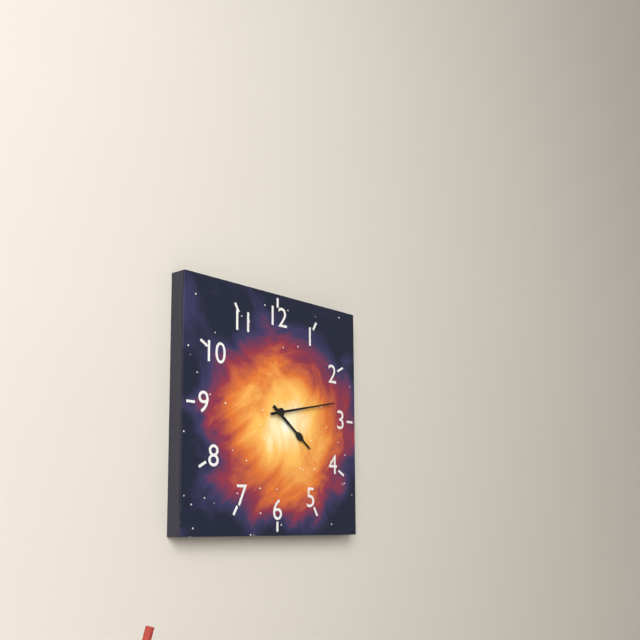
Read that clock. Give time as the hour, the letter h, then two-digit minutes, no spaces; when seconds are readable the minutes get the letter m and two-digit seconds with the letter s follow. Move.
4h13
